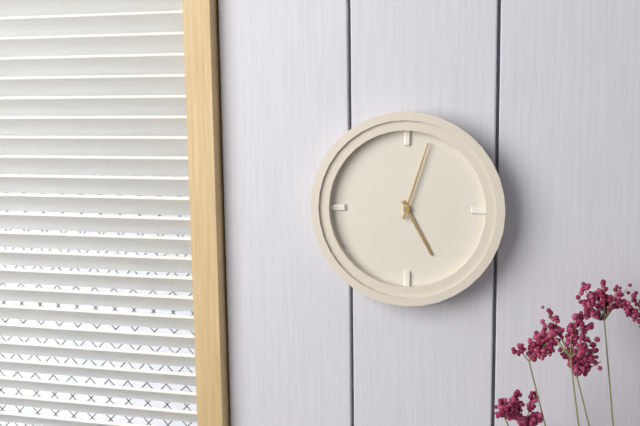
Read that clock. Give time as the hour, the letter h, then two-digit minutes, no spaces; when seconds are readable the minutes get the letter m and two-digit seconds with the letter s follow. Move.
5h03
